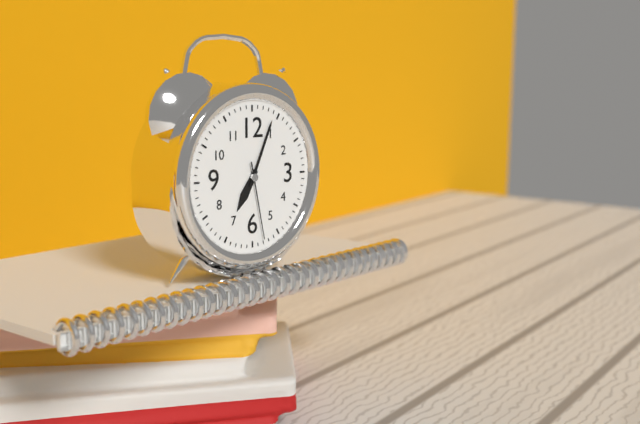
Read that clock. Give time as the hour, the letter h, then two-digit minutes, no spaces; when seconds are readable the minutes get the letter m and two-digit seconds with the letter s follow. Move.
7h04m28s
